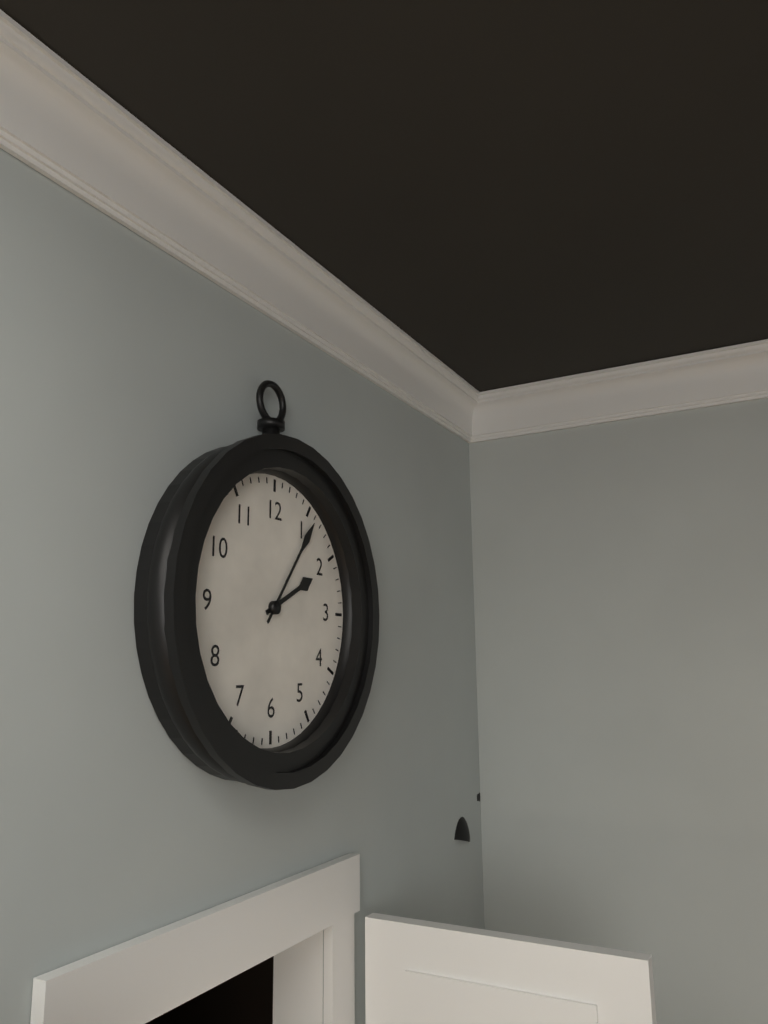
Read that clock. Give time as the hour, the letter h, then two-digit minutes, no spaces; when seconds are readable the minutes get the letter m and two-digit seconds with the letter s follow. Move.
2h06
